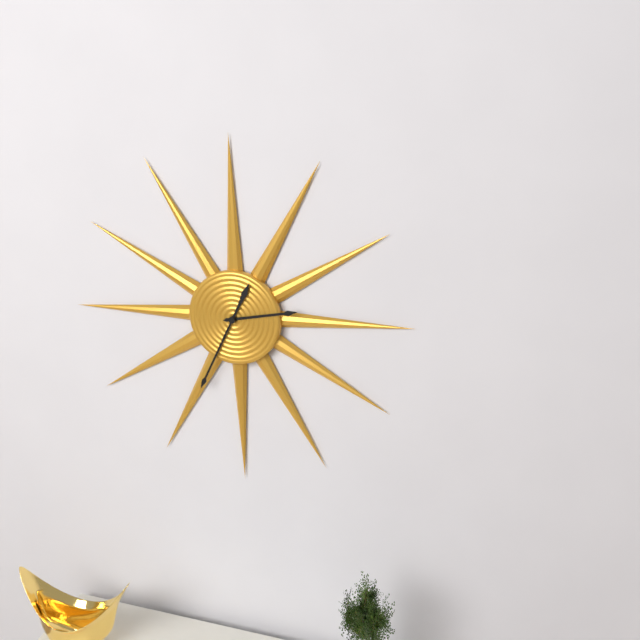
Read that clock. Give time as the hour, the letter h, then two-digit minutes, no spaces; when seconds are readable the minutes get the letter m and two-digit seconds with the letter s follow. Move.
2h34
